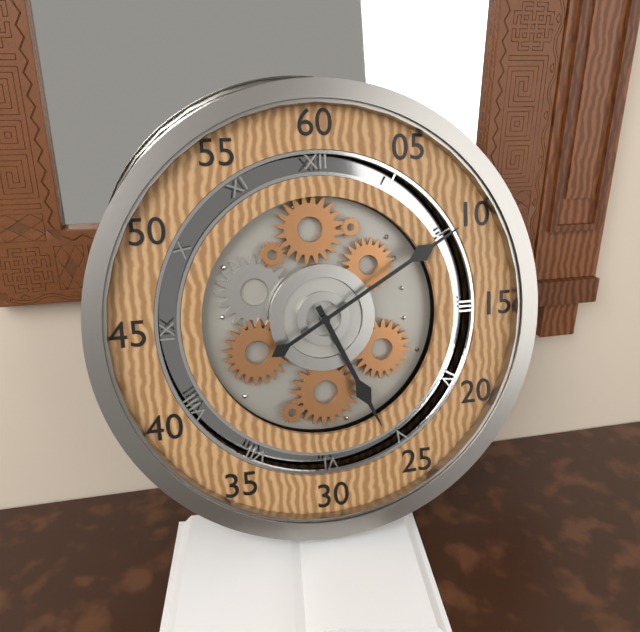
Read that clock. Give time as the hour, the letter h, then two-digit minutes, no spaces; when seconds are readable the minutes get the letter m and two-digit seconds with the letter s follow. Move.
5h10
